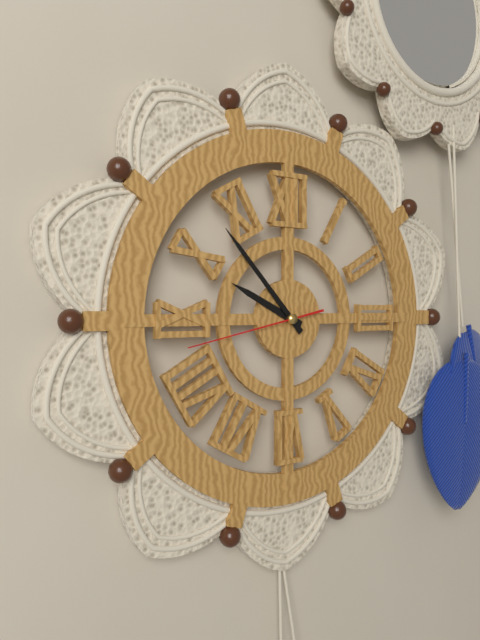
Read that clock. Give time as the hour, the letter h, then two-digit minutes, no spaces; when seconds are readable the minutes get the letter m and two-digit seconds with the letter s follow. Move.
9h53m43s
